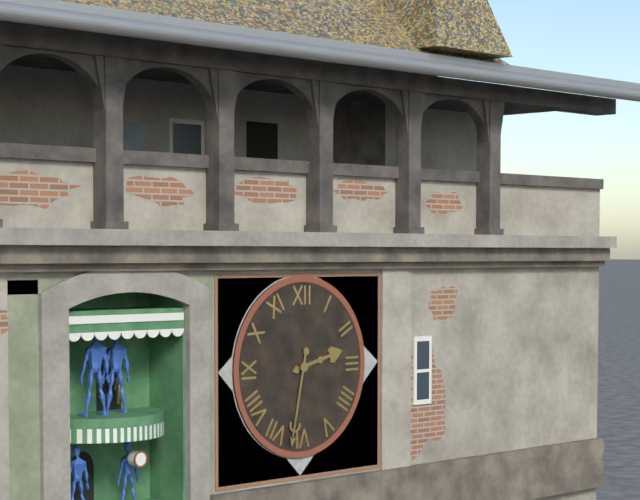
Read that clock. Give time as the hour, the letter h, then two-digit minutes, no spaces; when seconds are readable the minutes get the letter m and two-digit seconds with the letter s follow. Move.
2h32
